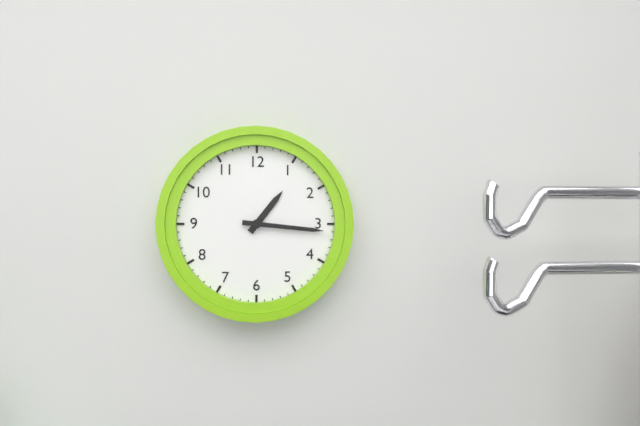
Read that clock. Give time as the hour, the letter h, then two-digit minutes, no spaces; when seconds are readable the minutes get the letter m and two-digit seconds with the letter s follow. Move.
1h16
